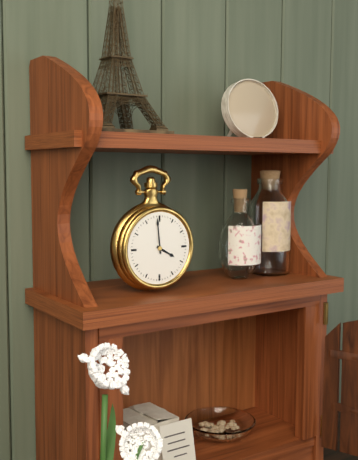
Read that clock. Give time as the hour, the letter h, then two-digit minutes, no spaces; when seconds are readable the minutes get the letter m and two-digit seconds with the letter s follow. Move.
3h59
